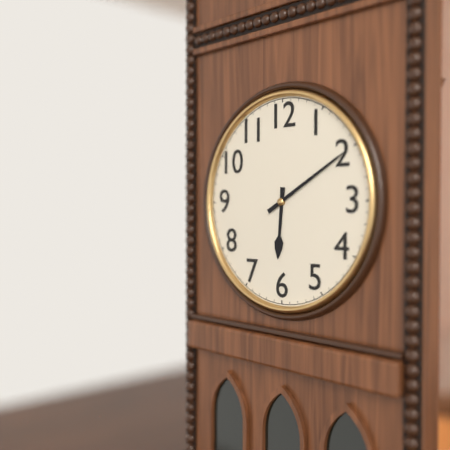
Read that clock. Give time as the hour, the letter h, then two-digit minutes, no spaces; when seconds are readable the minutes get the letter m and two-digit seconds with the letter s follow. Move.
6h10
